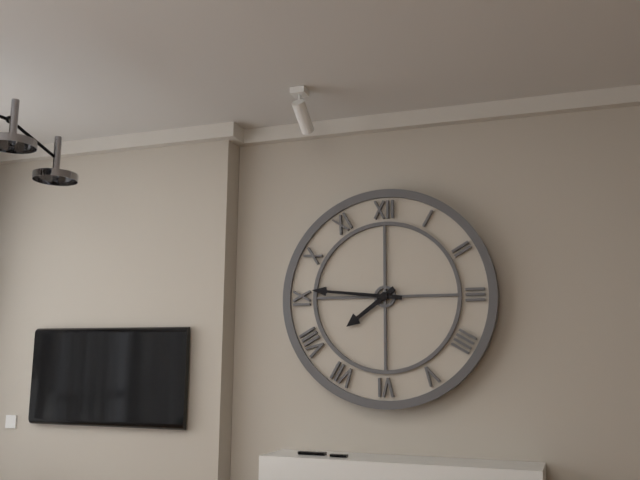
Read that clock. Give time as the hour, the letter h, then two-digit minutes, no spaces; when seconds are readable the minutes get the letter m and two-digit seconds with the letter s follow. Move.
7h46
